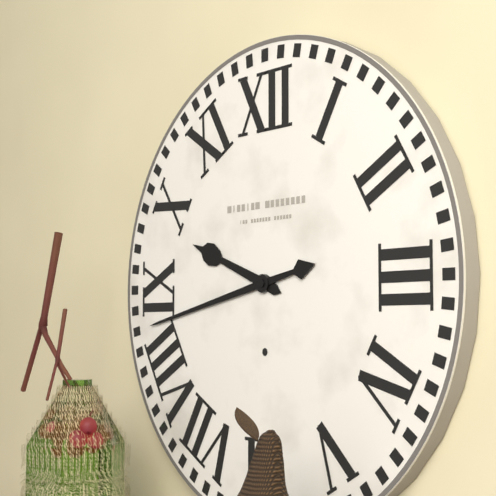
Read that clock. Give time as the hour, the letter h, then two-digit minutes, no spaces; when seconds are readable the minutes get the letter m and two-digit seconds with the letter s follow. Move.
9h43
